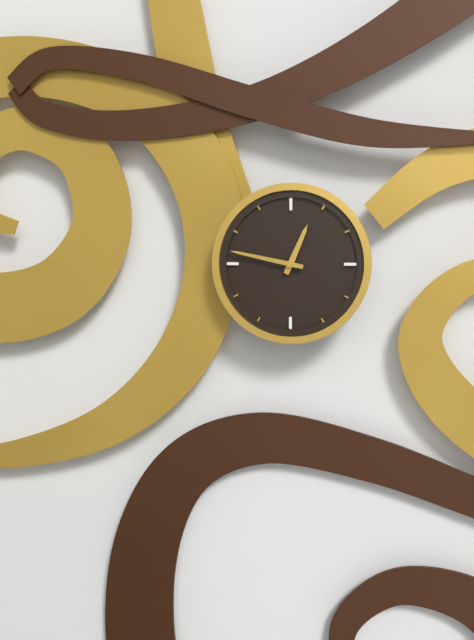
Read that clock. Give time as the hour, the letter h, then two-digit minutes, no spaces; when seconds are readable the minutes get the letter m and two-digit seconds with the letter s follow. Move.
12h47
